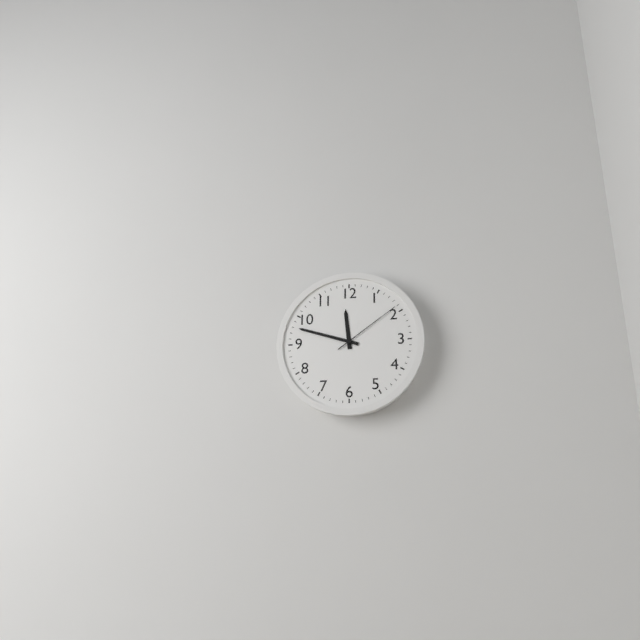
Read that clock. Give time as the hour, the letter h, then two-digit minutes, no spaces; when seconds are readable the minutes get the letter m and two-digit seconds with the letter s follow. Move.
11h48m09s
